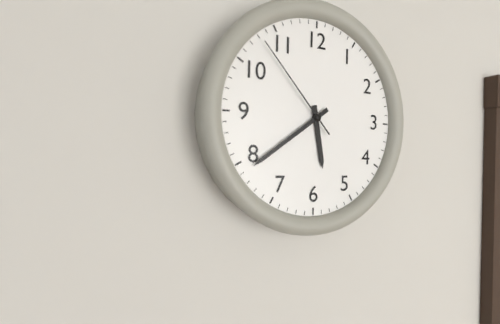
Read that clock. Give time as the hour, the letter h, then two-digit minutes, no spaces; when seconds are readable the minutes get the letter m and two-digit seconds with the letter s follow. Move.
5h39m53s
